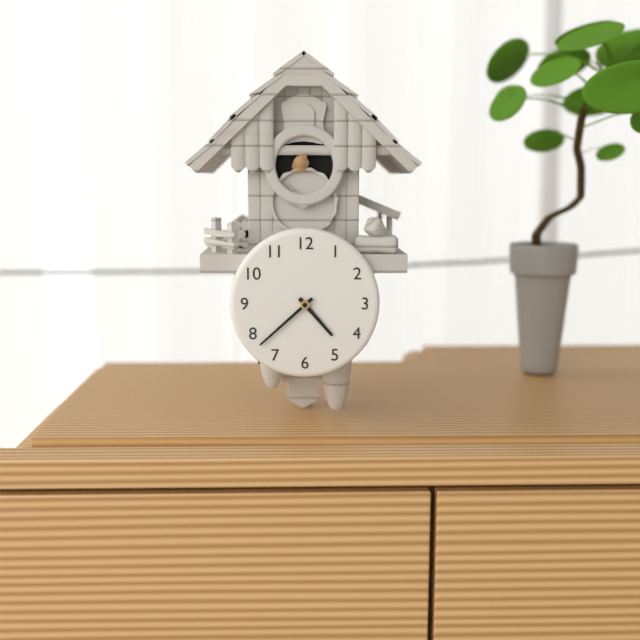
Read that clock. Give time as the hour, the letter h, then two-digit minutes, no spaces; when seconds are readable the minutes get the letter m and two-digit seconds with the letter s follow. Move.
4h38
